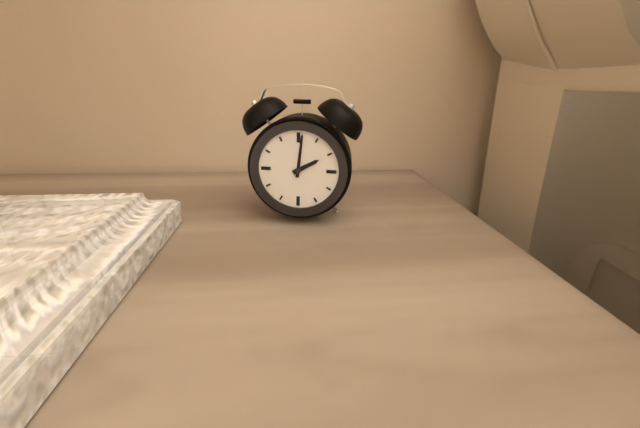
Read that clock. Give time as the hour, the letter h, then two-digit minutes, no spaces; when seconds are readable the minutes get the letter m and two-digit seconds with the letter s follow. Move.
2h01
